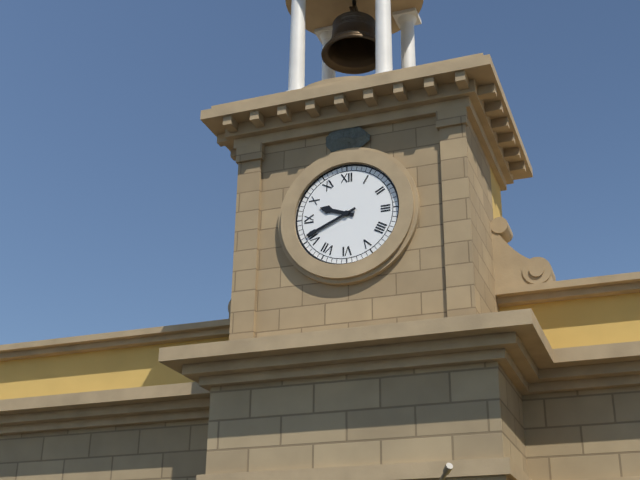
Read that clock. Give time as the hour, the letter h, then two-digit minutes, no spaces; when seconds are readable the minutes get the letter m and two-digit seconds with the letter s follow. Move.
9h41
